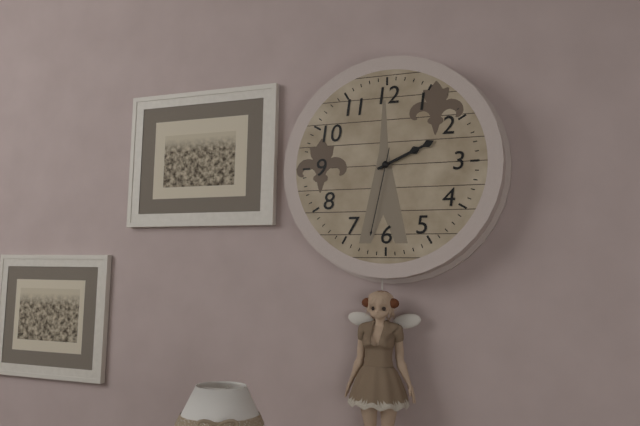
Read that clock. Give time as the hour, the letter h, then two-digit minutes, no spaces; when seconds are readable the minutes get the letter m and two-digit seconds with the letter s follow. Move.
2h11m32s
